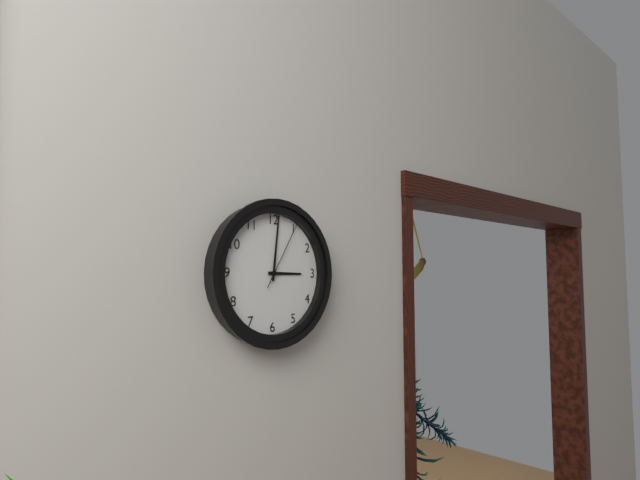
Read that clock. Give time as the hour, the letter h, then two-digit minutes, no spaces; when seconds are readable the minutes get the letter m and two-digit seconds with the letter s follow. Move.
3h01m05s
